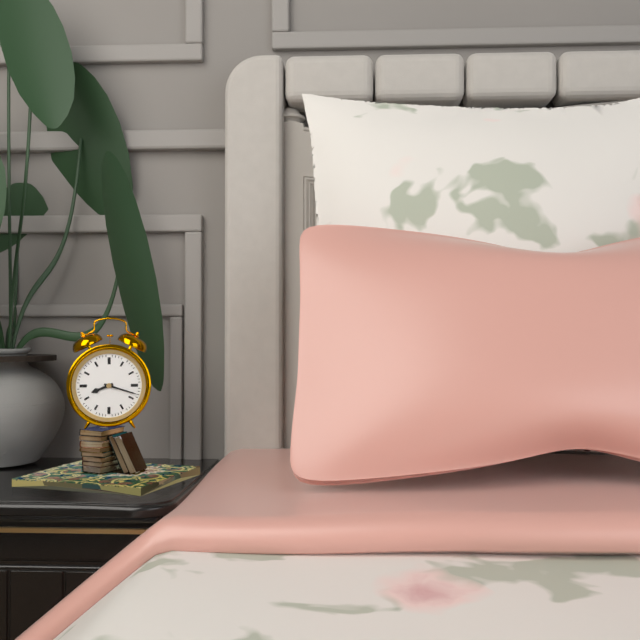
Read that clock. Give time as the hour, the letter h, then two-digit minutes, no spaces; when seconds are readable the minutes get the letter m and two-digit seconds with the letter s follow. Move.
8h18
